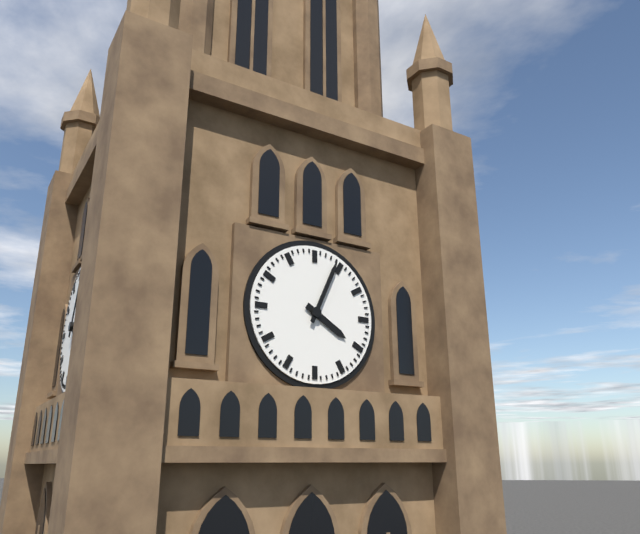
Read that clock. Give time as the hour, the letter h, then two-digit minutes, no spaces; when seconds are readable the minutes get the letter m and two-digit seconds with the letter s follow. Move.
4h04
